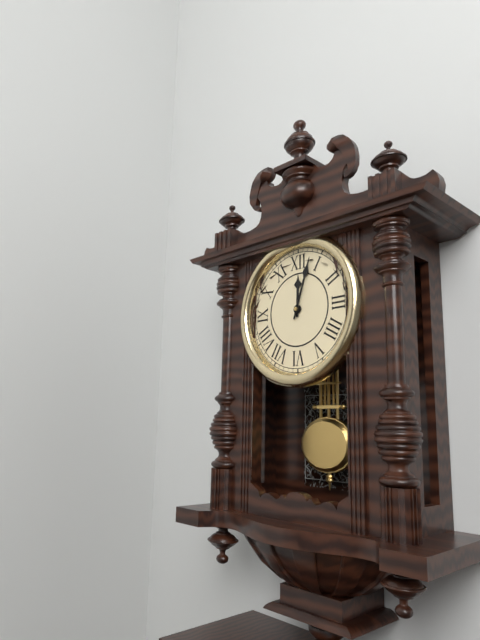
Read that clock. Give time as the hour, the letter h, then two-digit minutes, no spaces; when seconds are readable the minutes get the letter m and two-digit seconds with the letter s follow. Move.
12h03
